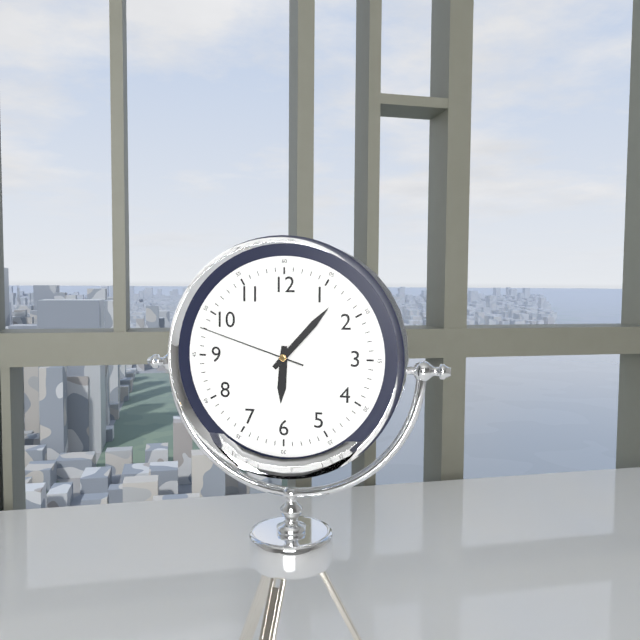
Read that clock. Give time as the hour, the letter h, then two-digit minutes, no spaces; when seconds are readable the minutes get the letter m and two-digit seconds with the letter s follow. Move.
6h07m48s
